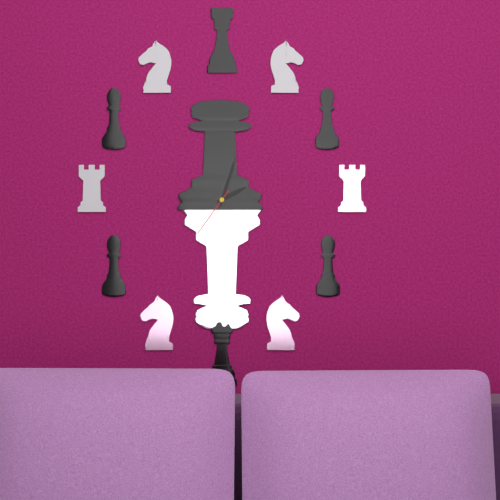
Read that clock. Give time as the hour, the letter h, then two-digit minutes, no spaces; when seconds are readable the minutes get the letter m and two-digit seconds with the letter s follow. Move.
2h03m36s
